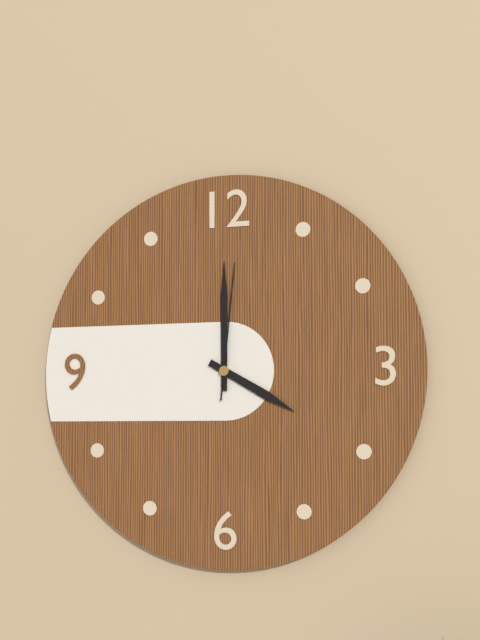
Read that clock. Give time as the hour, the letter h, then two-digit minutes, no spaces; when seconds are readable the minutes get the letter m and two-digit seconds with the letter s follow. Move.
4h00m01s
